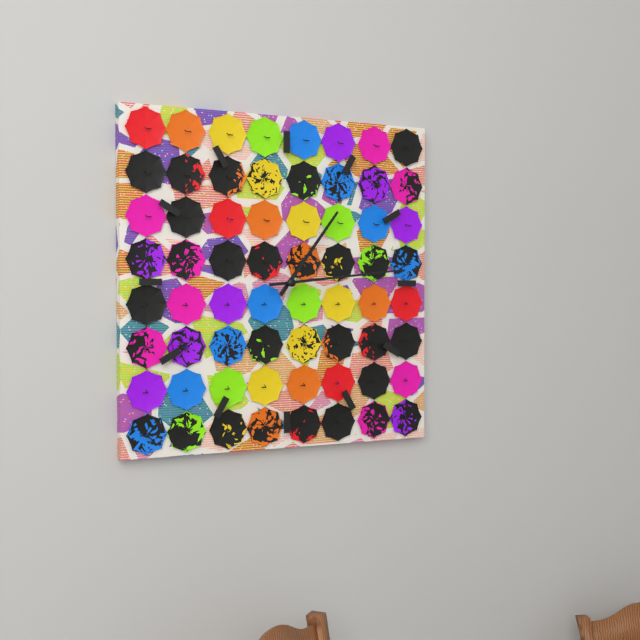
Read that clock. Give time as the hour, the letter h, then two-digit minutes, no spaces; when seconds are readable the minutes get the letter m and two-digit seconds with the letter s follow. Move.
1h14
